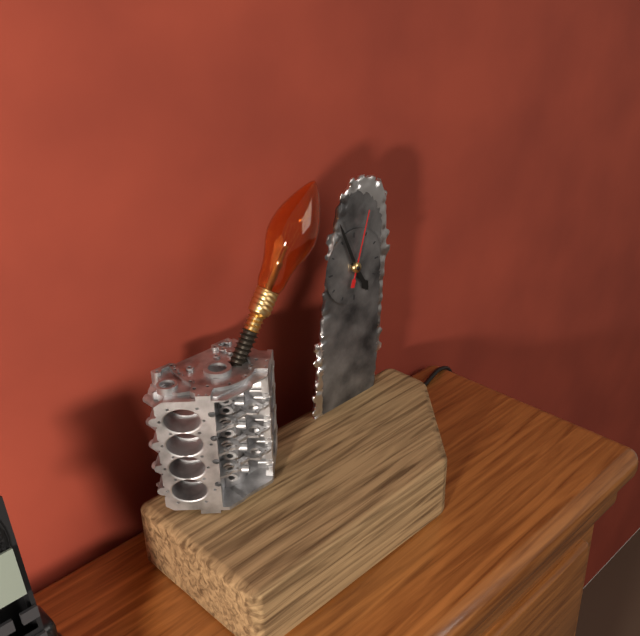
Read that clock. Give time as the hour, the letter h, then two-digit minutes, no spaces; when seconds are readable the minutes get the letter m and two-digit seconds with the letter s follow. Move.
4h56m03s
